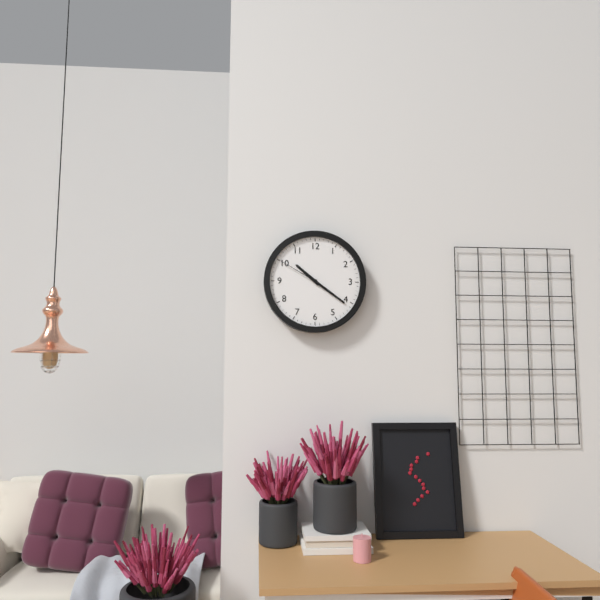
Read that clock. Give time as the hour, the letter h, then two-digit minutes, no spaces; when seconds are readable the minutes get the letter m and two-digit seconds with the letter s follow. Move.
10h21
